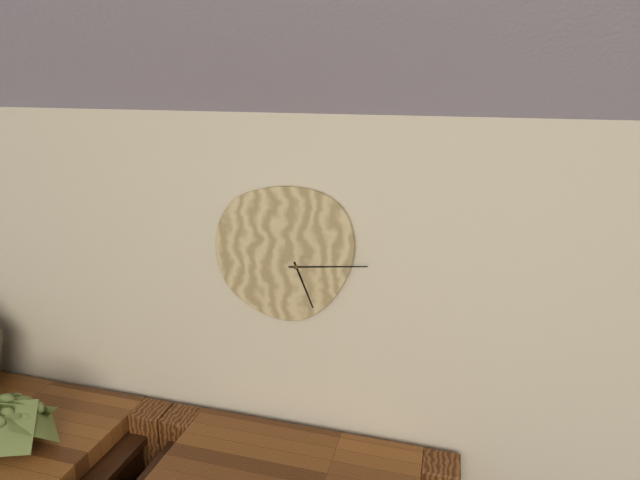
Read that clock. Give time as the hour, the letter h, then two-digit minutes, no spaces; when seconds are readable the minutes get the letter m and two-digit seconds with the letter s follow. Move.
5h14
